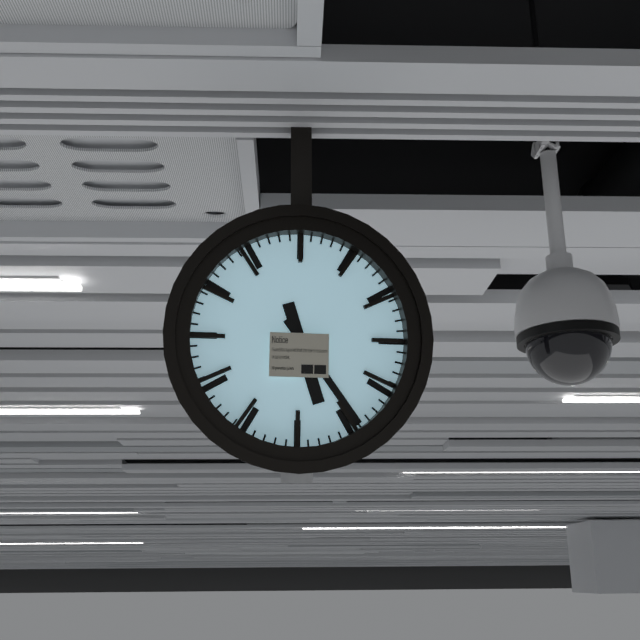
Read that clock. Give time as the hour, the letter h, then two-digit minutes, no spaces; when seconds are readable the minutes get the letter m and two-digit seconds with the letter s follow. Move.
5h24
